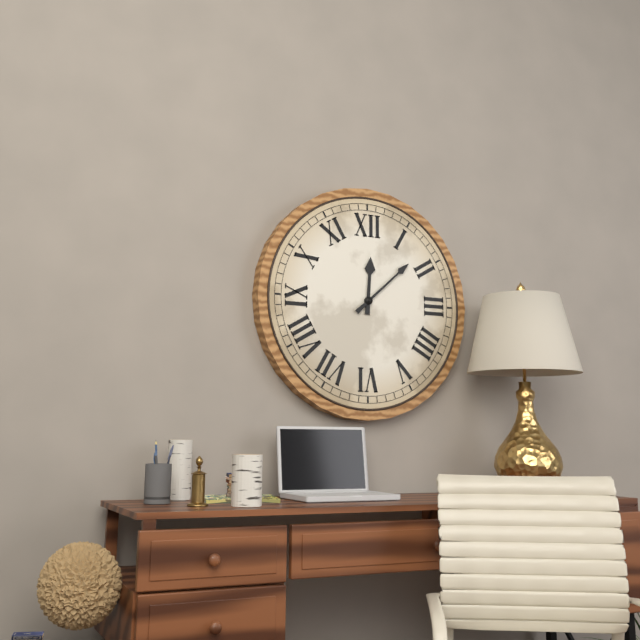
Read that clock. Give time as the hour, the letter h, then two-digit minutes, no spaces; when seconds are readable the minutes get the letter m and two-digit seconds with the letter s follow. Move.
12h08
